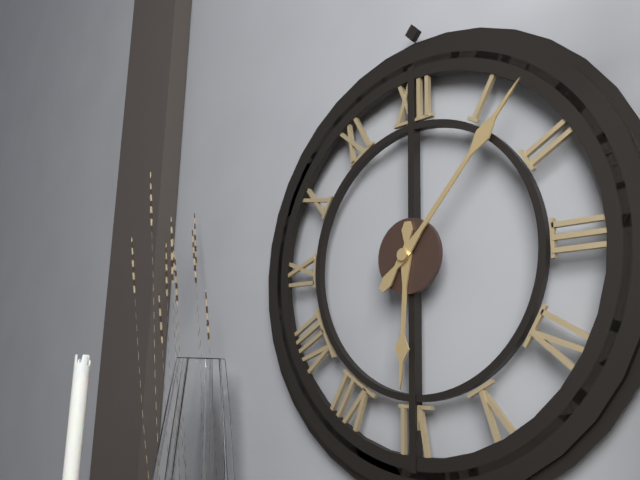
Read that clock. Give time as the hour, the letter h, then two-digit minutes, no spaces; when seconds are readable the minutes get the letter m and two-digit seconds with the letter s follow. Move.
6h07
